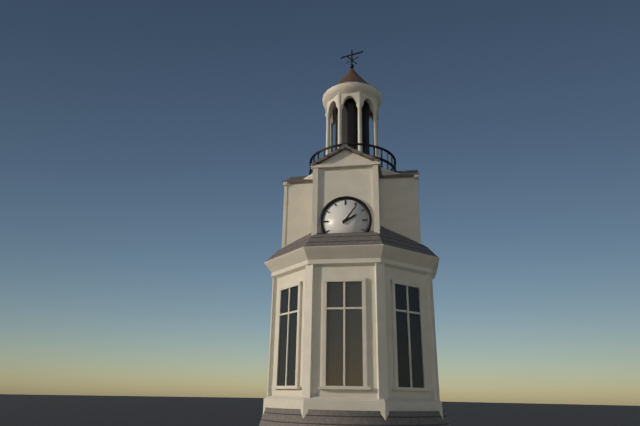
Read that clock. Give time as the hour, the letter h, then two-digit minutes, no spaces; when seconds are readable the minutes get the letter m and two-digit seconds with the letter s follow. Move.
2h06
